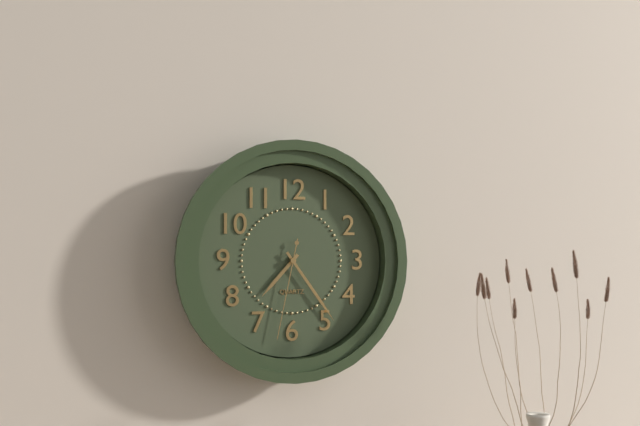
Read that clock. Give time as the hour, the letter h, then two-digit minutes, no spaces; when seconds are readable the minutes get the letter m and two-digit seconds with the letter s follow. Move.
7h24m32s
